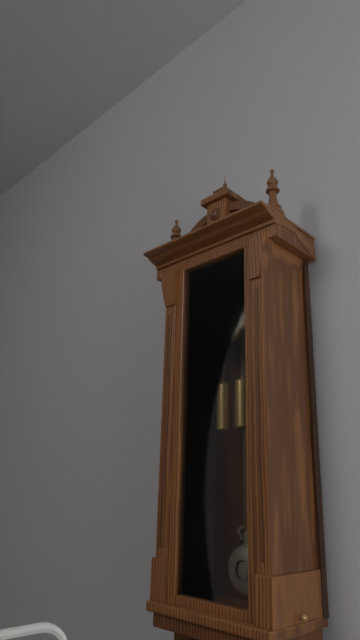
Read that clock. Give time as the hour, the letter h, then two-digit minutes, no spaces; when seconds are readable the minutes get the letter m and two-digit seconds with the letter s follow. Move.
3h55
